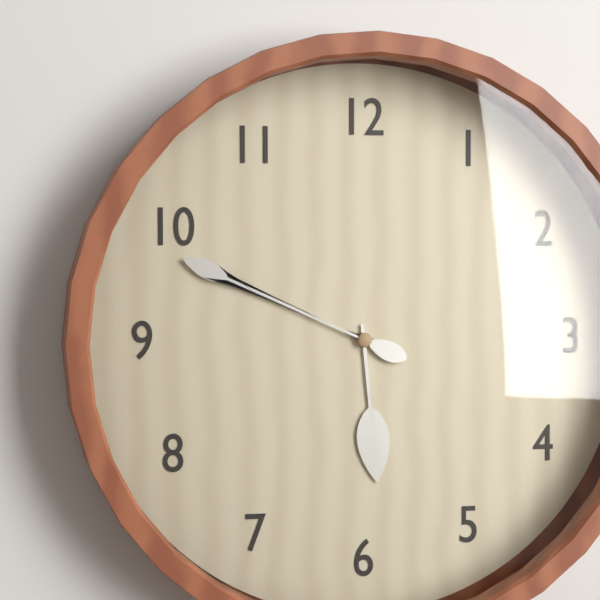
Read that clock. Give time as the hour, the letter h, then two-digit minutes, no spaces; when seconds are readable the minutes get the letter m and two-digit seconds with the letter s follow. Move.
5h49
